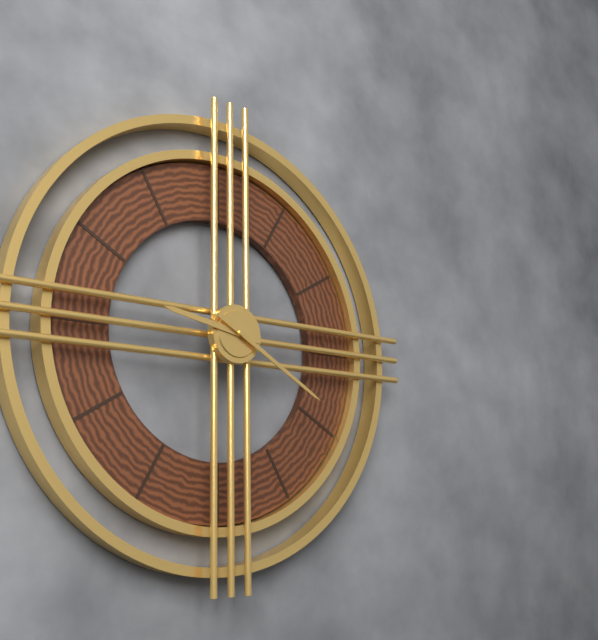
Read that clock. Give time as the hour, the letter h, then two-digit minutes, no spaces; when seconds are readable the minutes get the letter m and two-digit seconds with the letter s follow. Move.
9h20
